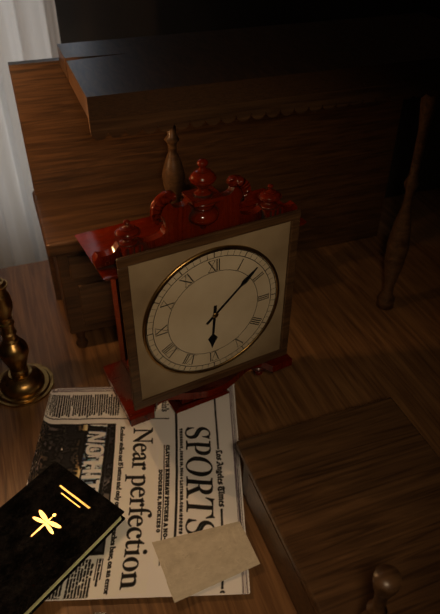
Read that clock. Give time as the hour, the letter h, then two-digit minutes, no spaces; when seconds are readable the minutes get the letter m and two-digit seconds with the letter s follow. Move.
6h08
